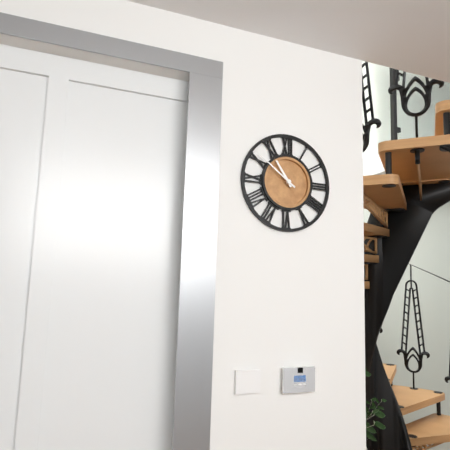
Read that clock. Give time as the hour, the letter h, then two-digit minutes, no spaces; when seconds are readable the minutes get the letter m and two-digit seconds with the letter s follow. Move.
10h51
